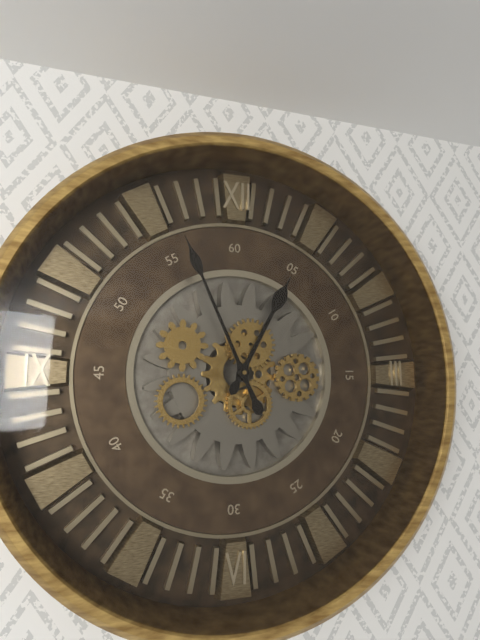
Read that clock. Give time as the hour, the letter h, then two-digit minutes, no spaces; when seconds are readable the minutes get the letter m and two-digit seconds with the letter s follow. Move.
12h56
